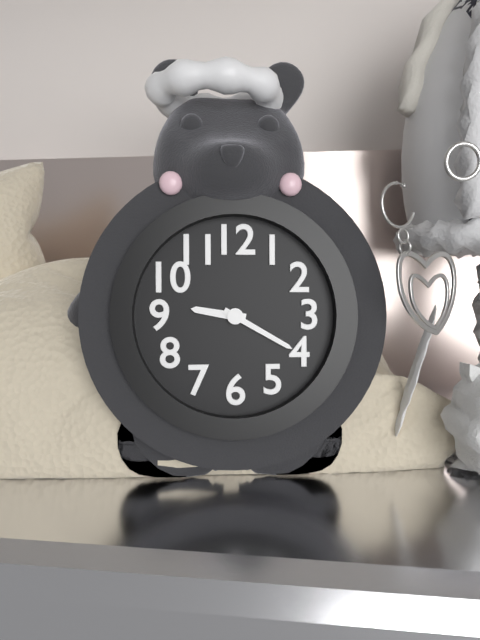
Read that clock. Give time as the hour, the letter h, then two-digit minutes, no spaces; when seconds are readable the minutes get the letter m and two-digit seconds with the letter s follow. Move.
9h20
